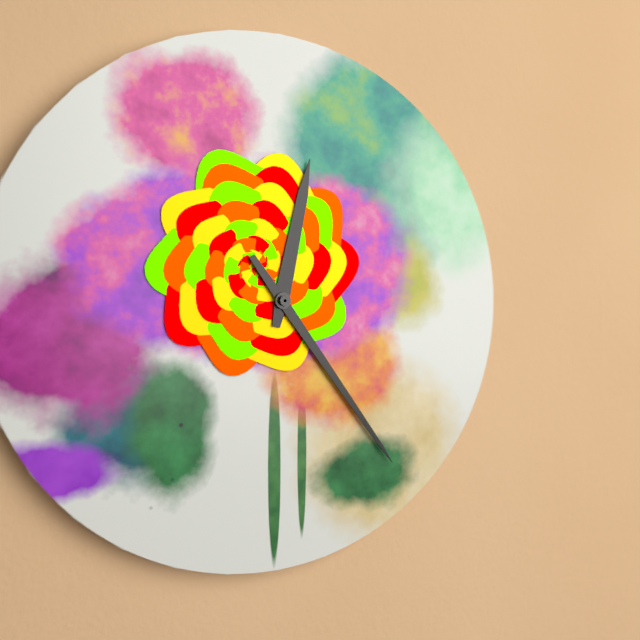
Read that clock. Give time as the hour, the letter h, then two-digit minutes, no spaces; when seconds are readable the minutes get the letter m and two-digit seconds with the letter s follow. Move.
12h24
